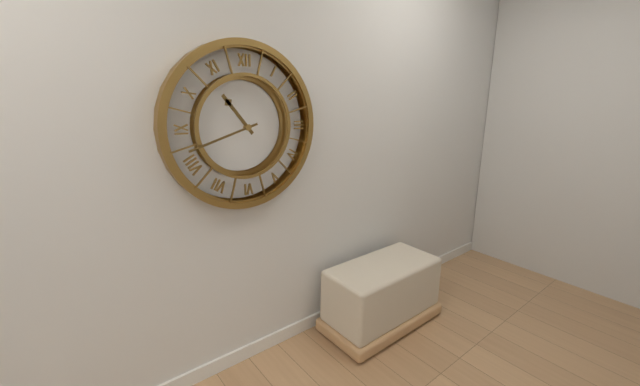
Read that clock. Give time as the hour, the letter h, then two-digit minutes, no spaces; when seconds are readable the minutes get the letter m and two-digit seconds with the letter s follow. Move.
10h42
